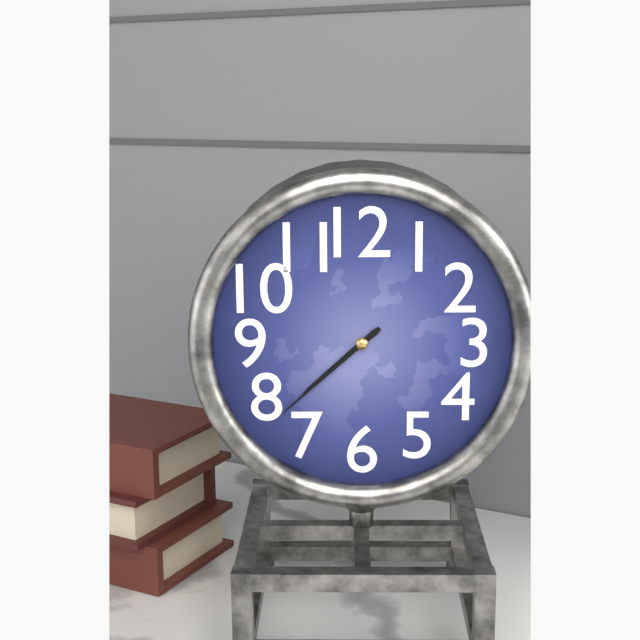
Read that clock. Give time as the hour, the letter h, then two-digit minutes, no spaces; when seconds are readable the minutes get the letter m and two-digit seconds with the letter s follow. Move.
7h38
